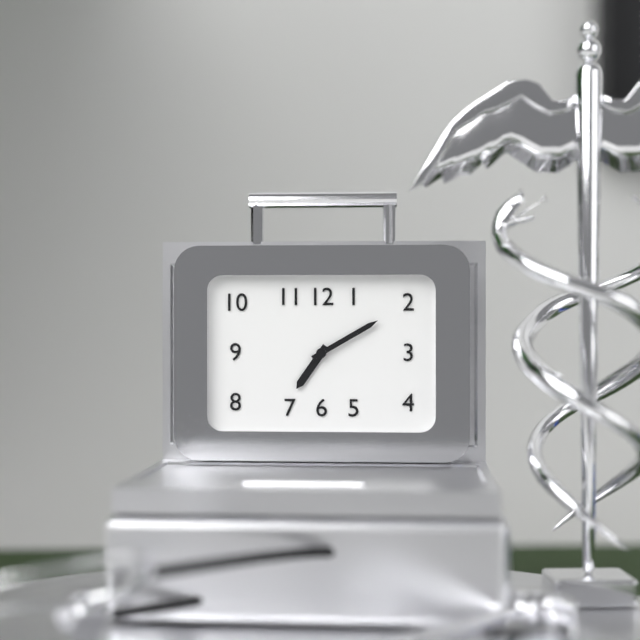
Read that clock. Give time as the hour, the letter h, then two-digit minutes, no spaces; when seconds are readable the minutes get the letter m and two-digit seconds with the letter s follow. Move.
7h10
